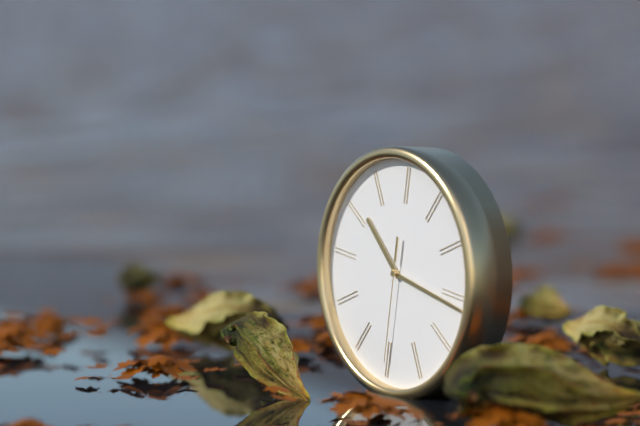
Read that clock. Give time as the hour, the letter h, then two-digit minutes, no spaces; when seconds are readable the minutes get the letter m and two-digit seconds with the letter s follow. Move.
10h16m30s
